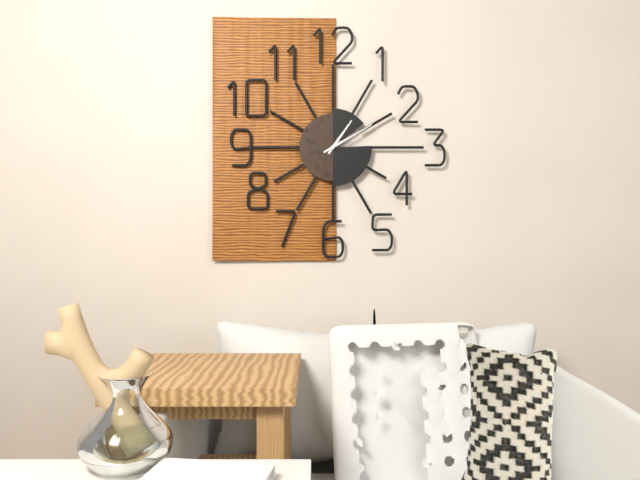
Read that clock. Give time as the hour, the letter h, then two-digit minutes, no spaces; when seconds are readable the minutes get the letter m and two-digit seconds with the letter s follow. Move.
1h10
